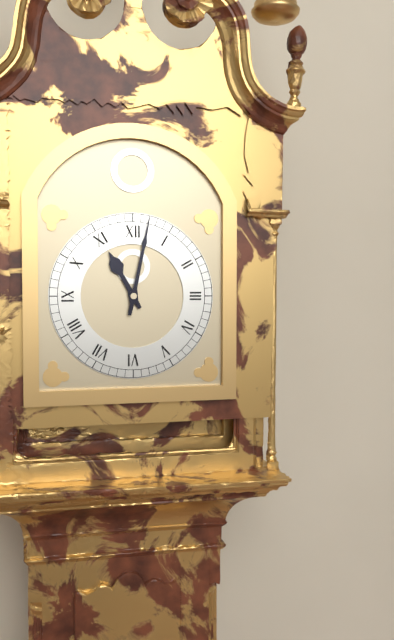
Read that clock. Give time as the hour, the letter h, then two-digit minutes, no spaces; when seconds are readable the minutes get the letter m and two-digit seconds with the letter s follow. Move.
11h02
